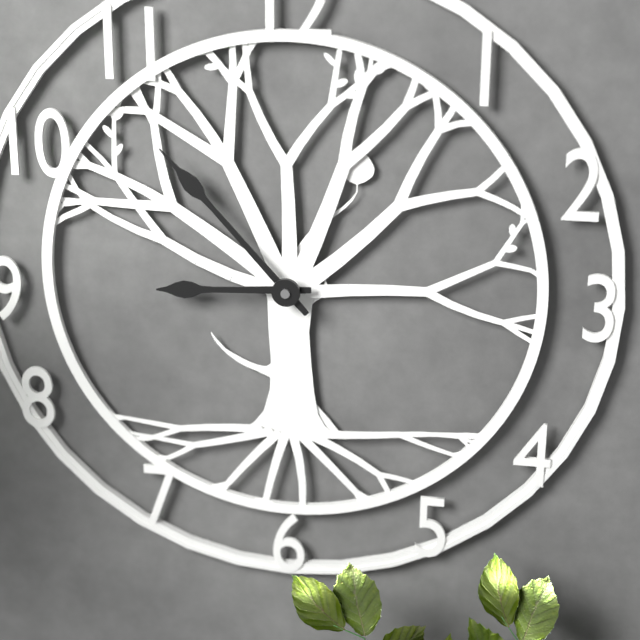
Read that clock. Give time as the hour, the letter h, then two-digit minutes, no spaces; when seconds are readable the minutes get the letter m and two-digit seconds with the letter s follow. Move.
8h53
